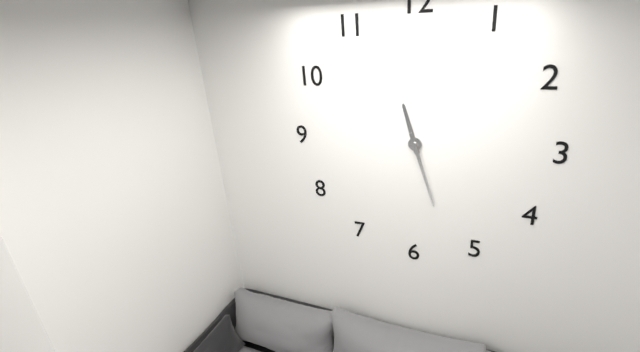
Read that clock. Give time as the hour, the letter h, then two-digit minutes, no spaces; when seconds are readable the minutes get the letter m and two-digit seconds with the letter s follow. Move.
11h27
